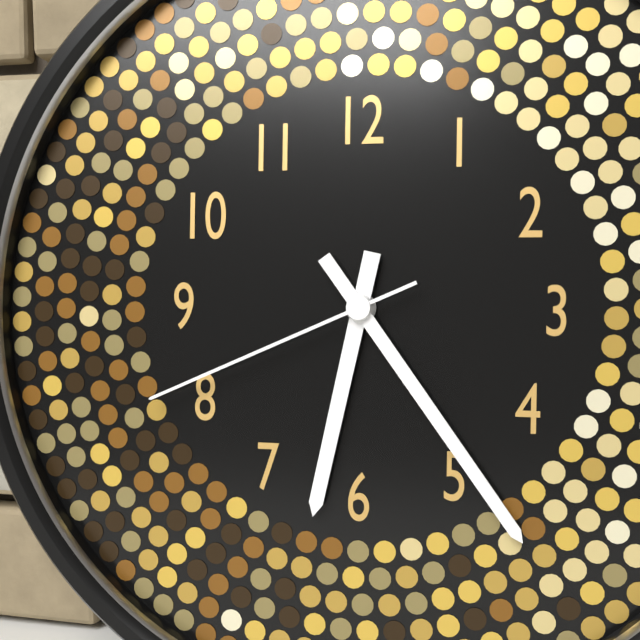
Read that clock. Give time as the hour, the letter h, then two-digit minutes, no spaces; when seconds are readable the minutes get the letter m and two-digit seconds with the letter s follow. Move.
6h24m41s
